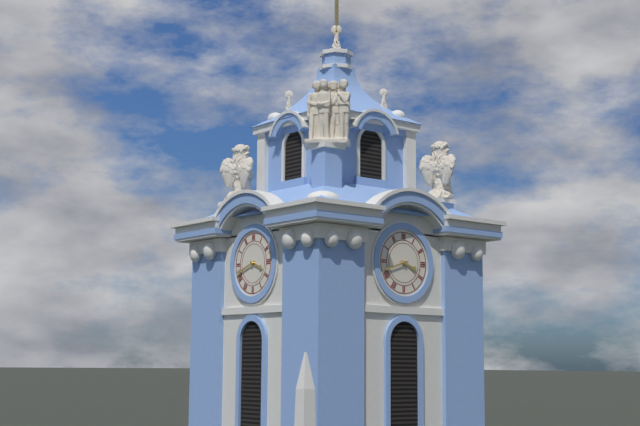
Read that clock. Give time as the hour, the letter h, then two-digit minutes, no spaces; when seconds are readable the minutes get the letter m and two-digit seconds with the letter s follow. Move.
3h42
